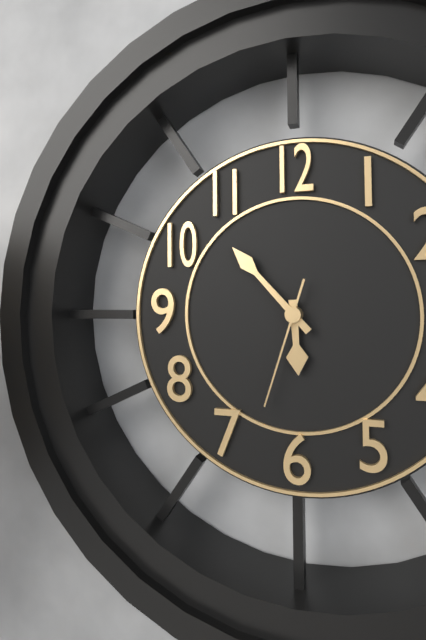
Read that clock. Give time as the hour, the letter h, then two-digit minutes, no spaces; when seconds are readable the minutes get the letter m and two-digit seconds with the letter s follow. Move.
5h53m33s
